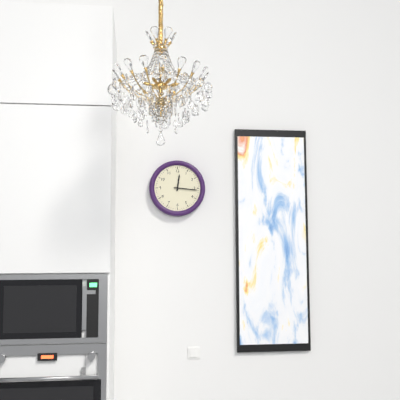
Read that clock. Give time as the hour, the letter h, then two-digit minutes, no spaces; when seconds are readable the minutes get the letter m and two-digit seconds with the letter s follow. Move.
12h16
